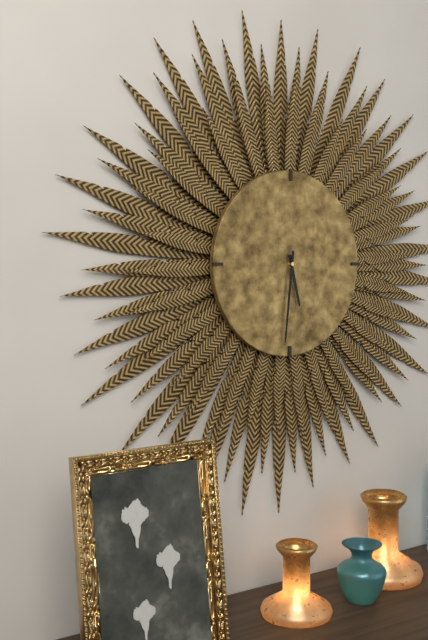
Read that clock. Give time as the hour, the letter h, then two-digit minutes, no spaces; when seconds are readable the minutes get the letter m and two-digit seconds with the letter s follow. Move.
5h31
